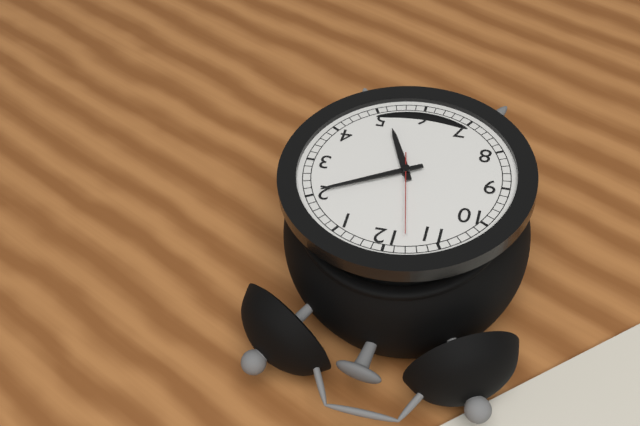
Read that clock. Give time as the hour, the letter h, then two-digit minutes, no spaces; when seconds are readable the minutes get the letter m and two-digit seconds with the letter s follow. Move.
5h10m58s
